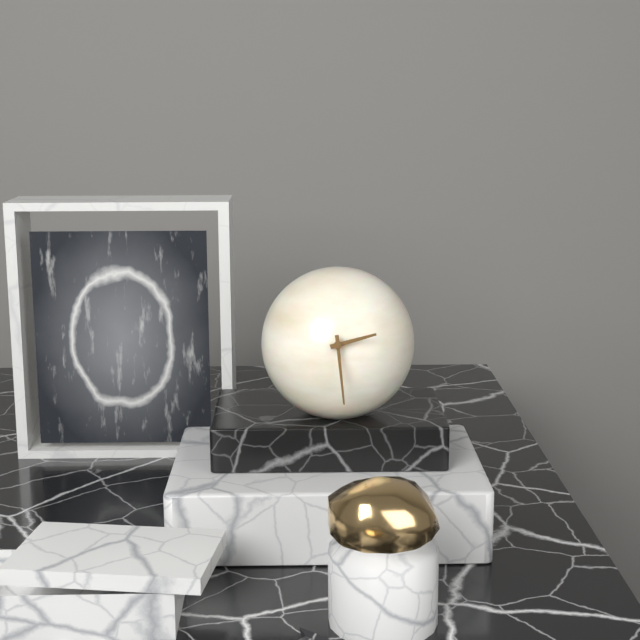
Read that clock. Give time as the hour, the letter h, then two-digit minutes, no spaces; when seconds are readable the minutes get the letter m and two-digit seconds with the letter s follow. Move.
2h29
